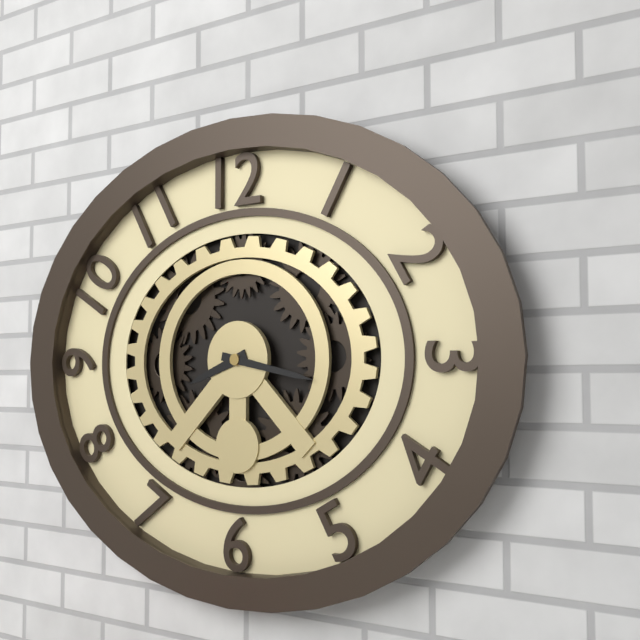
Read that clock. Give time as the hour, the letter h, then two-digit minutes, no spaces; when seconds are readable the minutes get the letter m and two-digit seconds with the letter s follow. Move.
8h17
